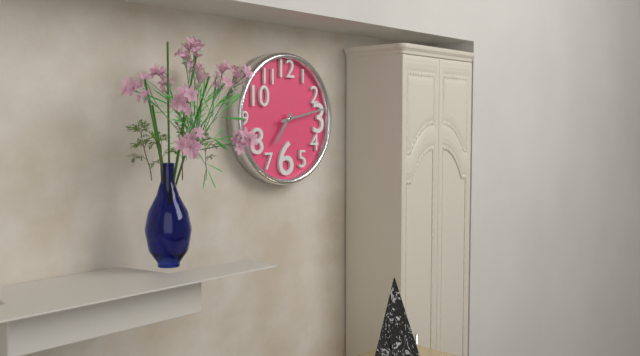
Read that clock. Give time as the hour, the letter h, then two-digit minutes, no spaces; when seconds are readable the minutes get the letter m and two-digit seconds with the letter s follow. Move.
7h13
